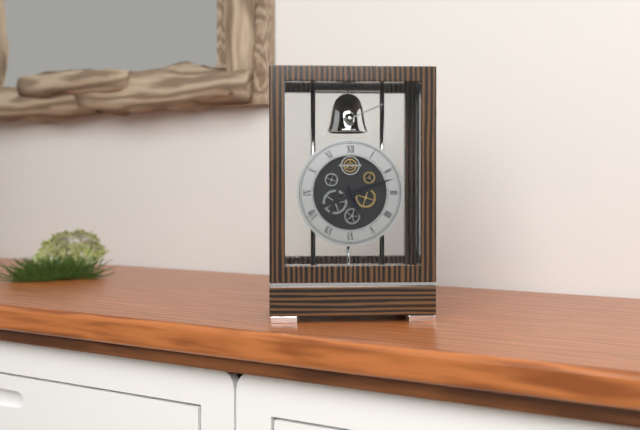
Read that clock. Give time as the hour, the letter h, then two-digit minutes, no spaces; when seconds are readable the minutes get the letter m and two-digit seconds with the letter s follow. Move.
5h12
